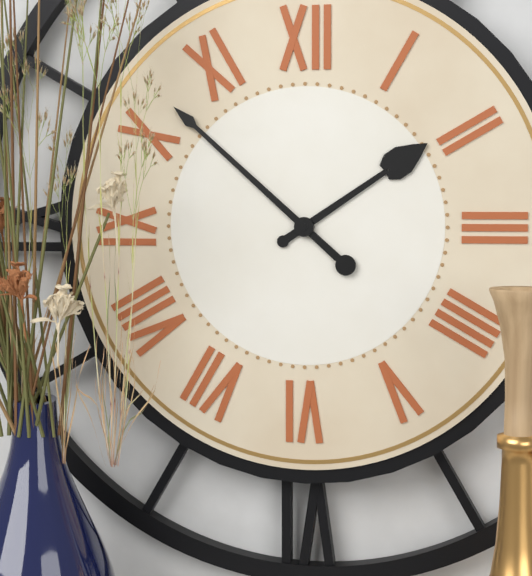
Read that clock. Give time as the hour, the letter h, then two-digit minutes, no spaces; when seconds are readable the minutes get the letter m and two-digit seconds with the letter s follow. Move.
1h52
